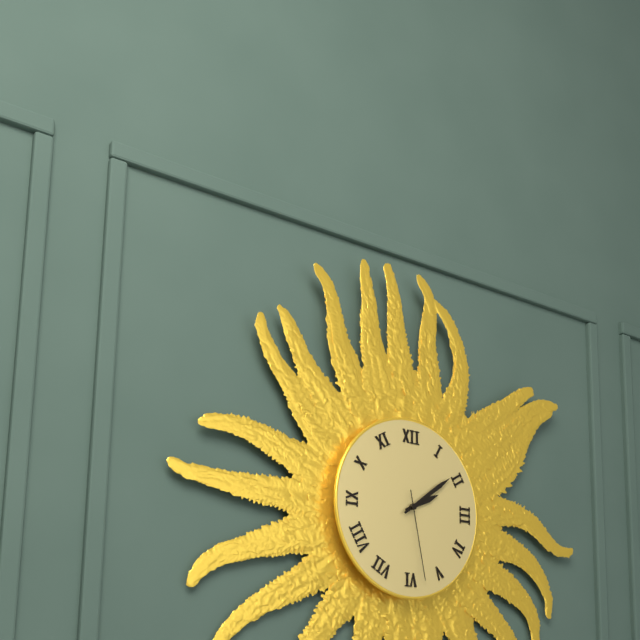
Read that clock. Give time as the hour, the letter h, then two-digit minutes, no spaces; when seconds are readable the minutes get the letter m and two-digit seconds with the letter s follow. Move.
2h09m28s
